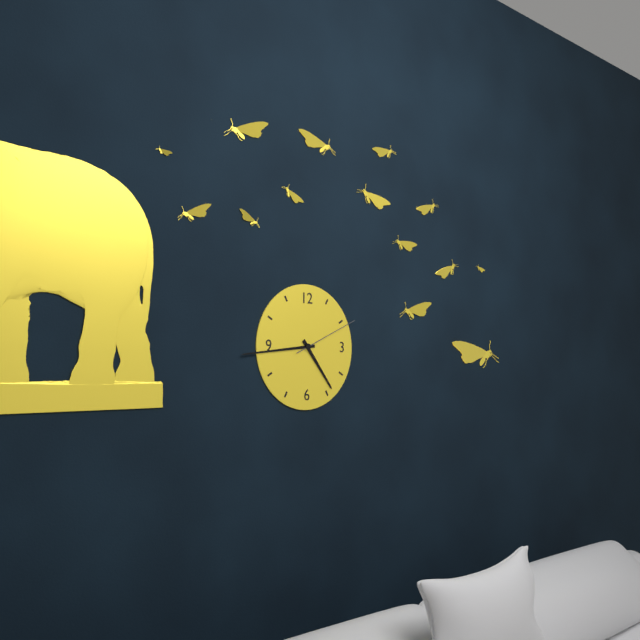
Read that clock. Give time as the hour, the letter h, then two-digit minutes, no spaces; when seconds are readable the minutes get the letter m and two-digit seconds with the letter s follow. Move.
4h44m11s
